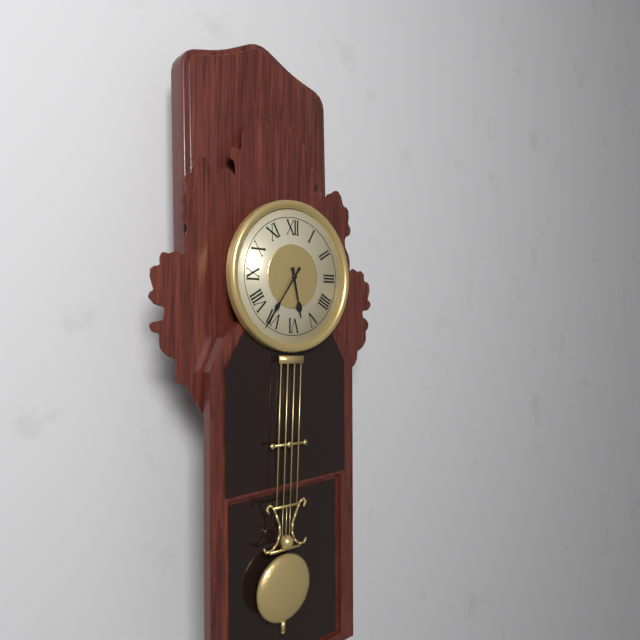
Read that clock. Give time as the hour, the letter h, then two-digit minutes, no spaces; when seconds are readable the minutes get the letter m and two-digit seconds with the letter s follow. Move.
5h36
